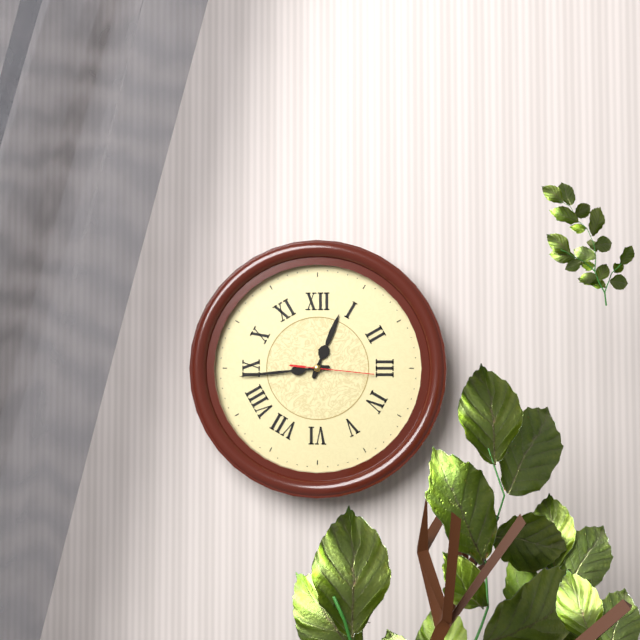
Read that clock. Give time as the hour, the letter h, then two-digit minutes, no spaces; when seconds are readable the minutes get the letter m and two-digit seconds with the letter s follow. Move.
12h44m16s
